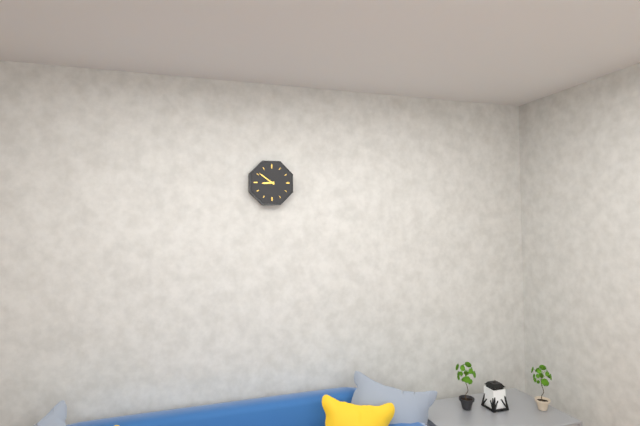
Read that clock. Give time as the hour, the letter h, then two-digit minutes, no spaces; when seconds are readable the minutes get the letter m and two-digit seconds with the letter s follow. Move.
8h51
